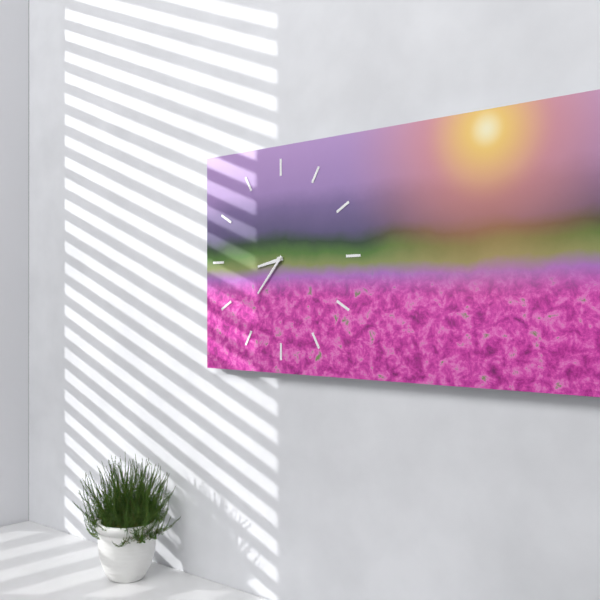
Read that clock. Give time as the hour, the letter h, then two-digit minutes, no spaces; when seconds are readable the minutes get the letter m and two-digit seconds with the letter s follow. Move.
8h37
